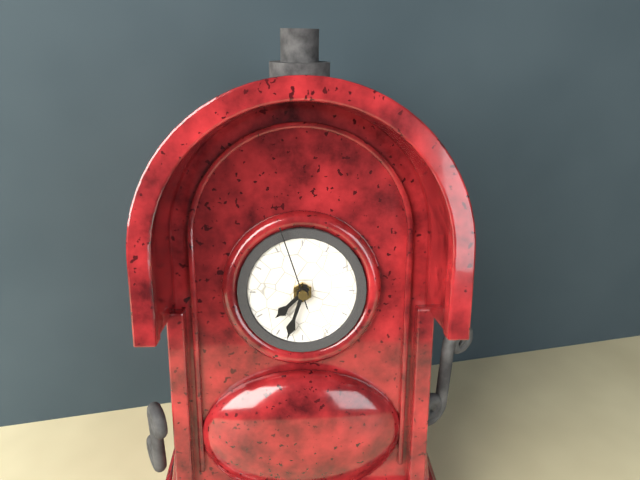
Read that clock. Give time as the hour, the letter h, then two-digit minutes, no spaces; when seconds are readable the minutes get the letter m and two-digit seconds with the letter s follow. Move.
7h33m57s
